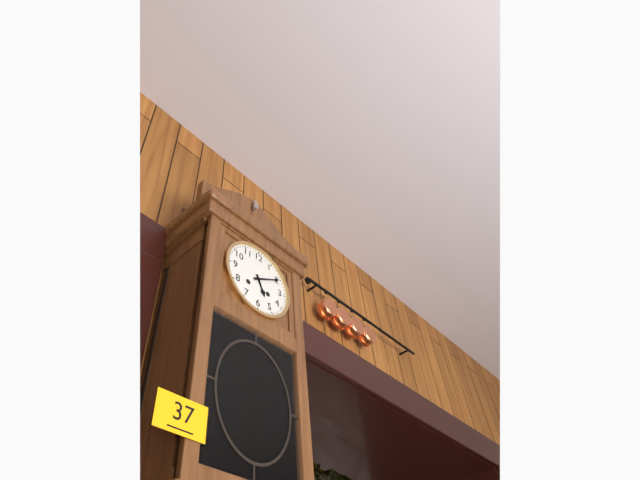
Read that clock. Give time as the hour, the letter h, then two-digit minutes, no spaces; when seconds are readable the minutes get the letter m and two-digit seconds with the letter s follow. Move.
5h10
